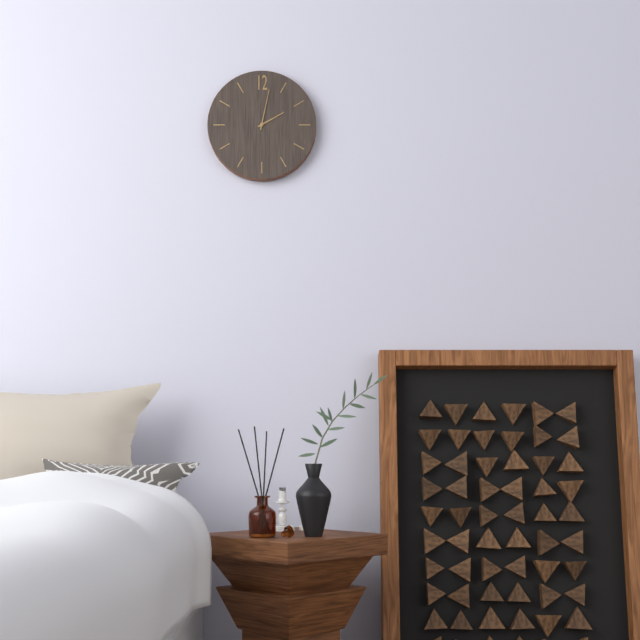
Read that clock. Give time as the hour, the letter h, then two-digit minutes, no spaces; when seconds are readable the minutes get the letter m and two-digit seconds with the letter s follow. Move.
2h02
